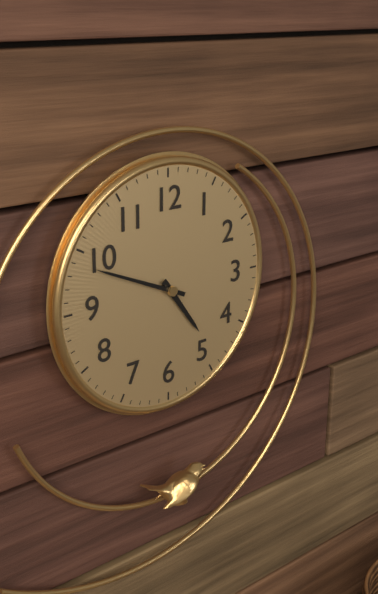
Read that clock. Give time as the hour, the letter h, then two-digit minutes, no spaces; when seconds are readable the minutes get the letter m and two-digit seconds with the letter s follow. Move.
4h49
